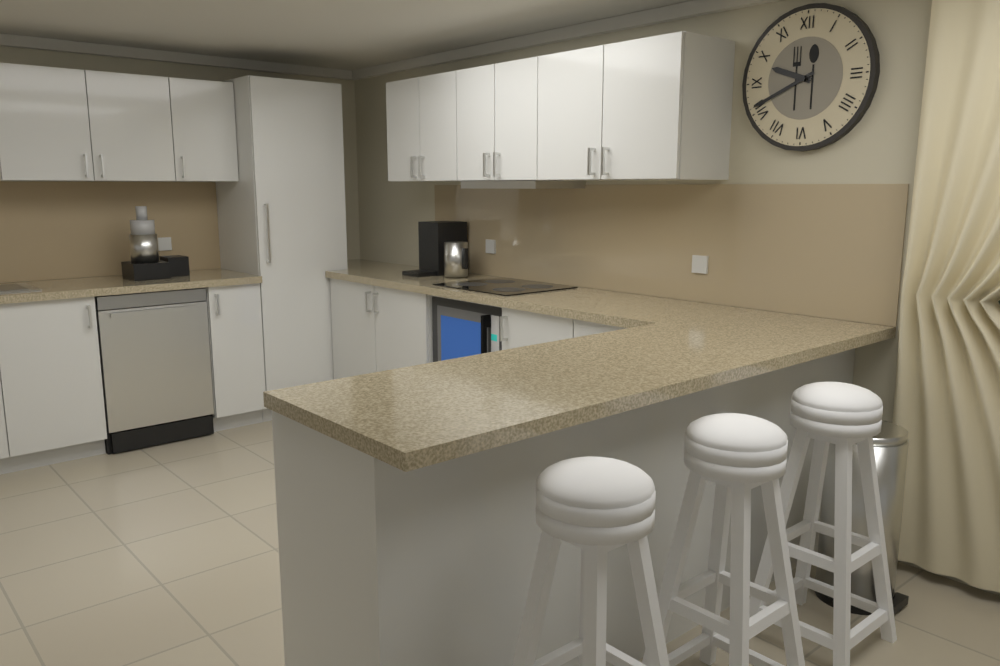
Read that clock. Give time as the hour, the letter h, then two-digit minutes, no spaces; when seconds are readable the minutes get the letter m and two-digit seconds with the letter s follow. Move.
9h41
